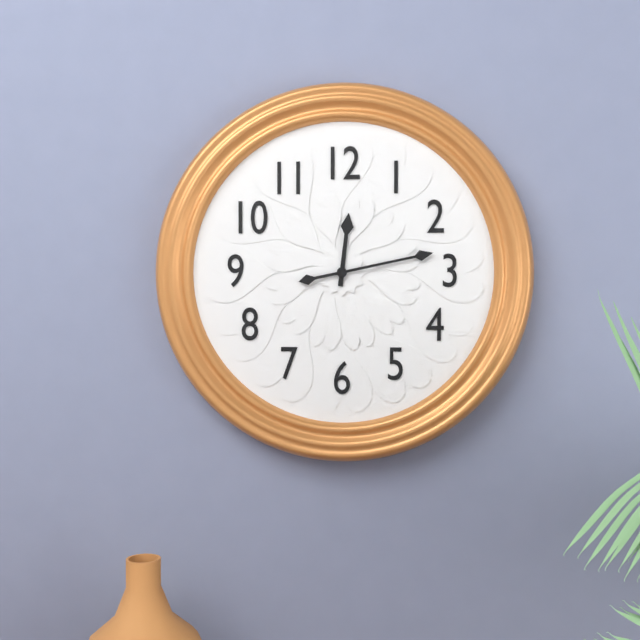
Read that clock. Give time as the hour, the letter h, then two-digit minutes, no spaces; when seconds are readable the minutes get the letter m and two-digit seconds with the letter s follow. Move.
12h13
